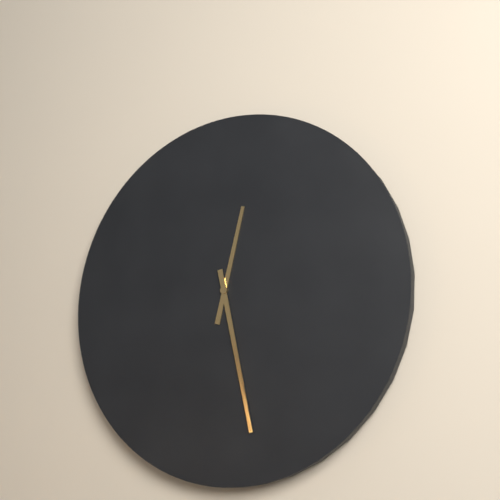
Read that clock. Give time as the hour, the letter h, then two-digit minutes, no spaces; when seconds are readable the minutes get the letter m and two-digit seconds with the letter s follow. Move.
12h28
